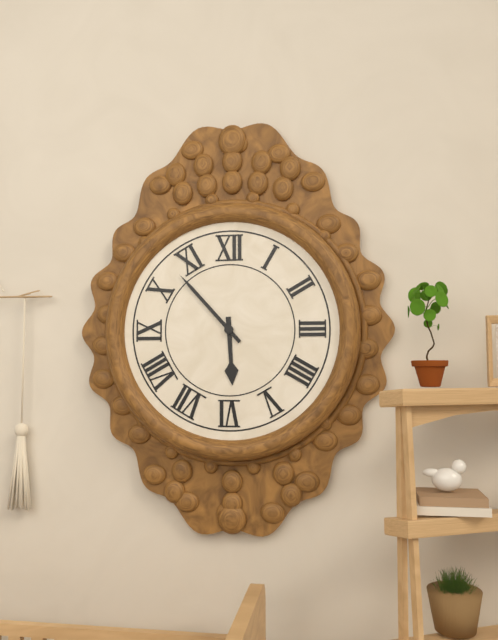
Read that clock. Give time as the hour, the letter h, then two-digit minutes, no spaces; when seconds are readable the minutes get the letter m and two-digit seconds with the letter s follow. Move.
5h53
